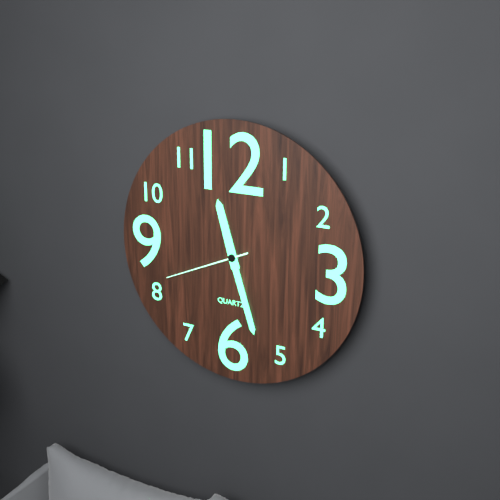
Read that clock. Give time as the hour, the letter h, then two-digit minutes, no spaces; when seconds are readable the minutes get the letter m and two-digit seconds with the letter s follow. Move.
11h27m41s
